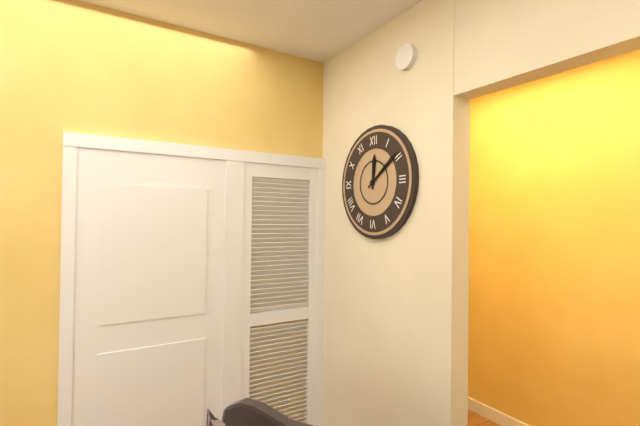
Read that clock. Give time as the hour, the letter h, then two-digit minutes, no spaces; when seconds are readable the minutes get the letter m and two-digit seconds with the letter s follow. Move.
12h09
